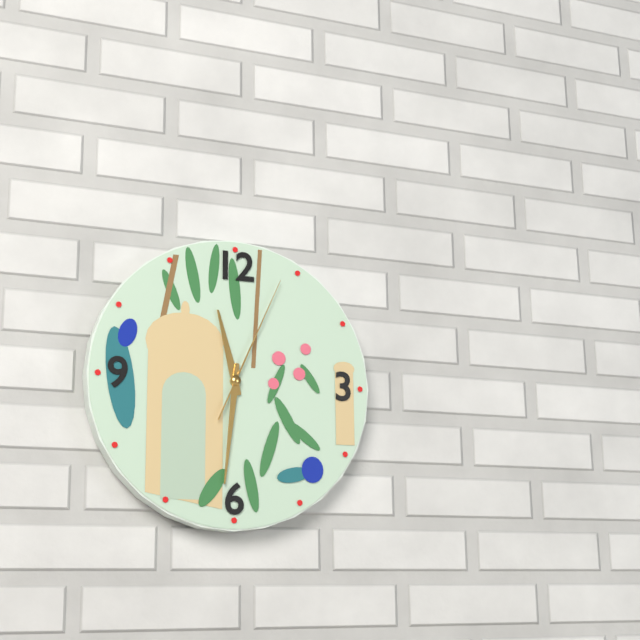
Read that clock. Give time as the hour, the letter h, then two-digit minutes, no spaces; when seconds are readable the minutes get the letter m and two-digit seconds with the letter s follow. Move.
11h31m04s
